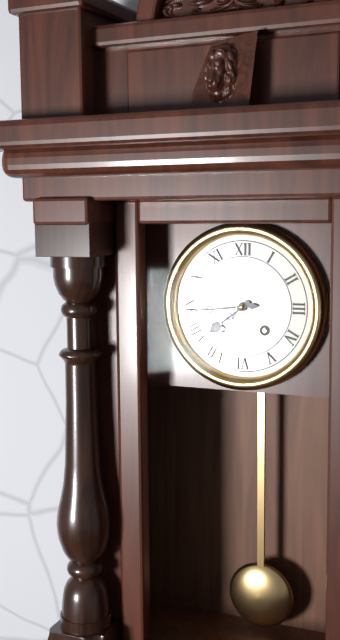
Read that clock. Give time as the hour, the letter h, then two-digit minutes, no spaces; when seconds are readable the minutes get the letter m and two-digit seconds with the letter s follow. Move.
7h44
